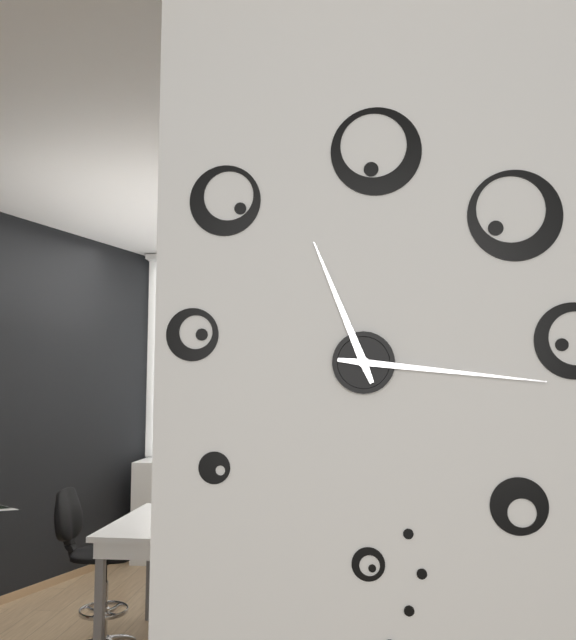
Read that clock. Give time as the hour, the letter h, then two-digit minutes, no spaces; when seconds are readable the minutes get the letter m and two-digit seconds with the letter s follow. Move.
11h16
